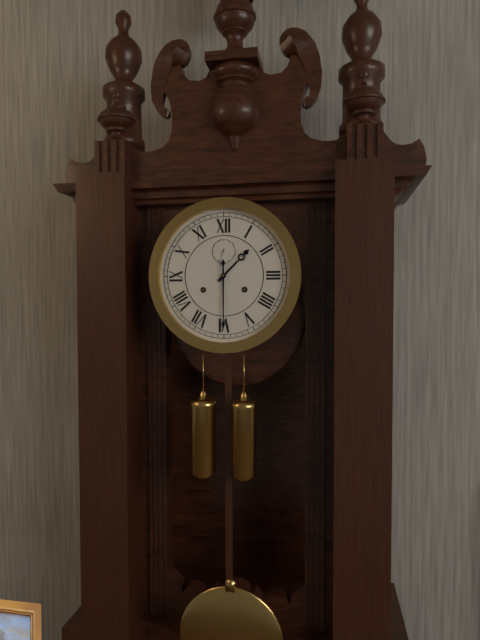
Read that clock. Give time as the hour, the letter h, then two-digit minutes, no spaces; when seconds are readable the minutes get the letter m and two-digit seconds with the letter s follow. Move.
1h30
